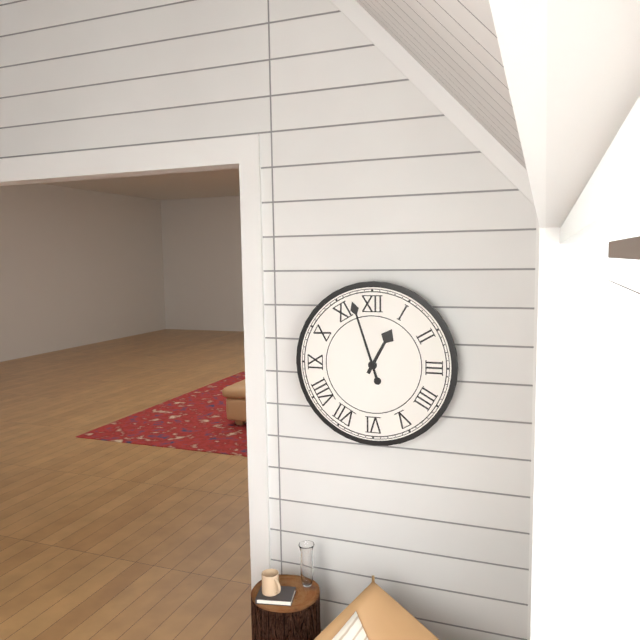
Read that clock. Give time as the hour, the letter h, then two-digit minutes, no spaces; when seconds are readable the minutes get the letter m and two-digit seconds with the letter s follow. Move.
12h57
